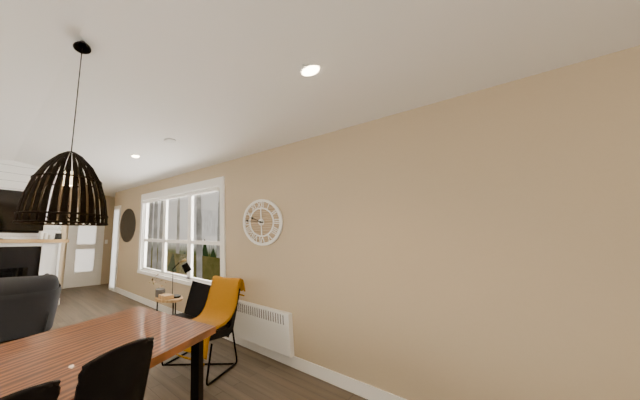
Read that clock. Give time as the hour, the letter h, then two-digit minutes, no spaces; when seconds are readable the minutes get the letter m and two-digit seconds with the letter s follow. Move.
9h46
